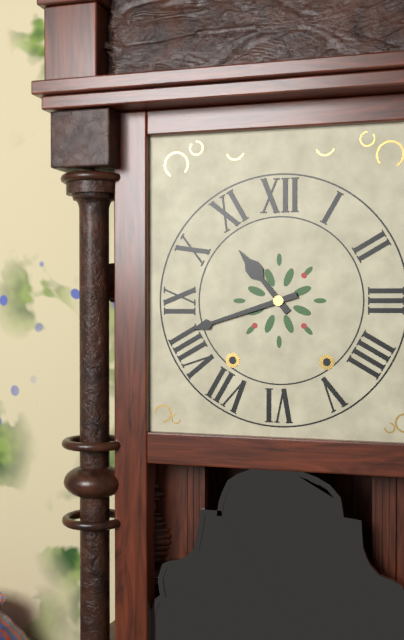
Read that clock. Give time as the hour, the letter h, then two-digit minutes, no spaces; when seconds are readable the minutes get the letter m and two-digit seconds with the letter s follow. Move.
10h42
